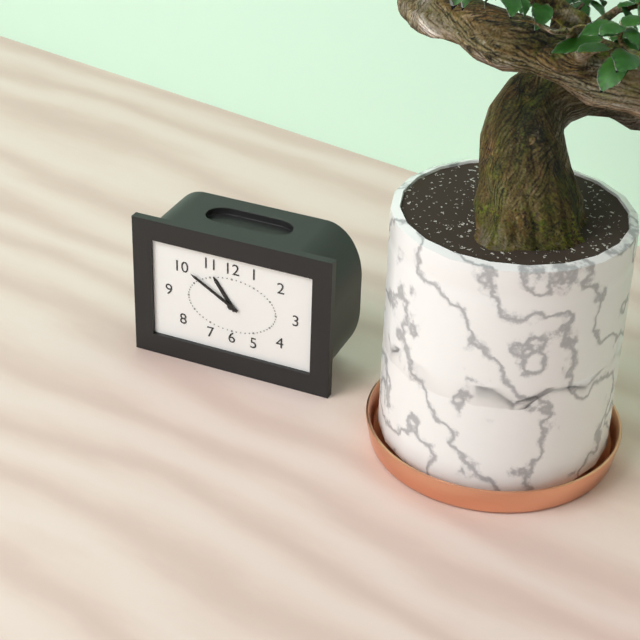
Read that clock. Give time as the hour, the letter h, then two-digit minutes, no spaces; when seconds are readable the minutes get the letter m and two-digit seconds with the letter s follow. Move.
10h50
